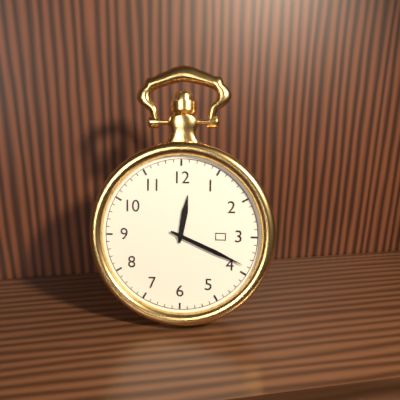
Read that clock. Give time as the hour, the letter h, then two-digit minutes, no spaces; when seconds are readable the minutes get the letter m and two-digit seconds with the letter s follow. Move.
12h19
